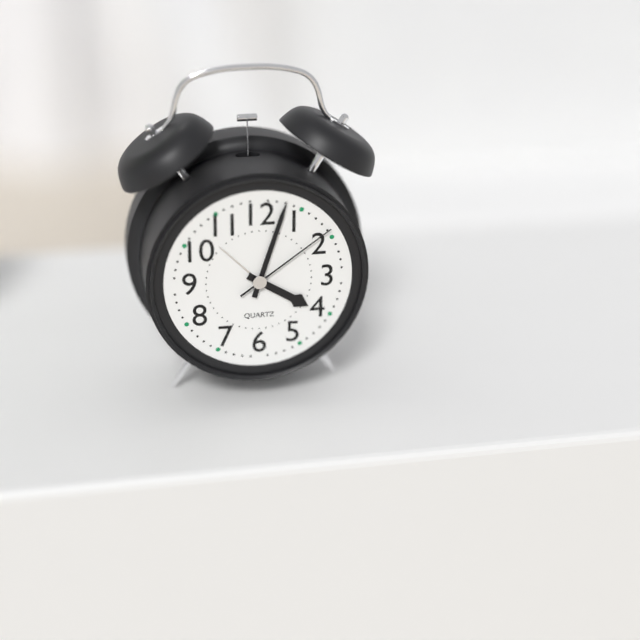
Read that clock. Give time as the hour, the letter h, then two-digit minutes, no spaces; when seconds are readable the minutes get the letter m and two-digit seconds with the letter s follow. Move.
4h03m09s
